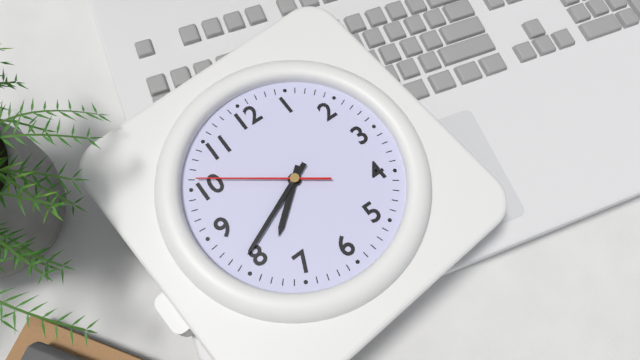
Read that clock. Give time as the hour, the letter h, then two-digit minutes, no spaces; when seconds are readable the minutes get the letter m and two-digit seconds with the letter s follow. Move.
7h41m51s
